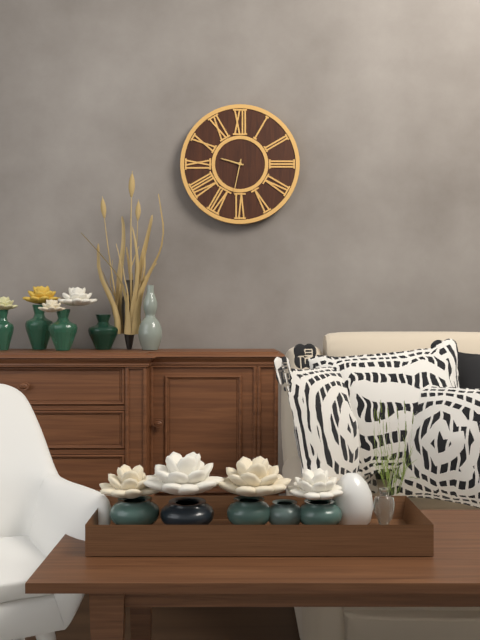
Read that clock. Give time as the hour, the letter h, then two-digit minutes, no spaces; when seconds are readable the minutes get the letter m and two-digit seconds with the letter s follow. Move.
9h32
